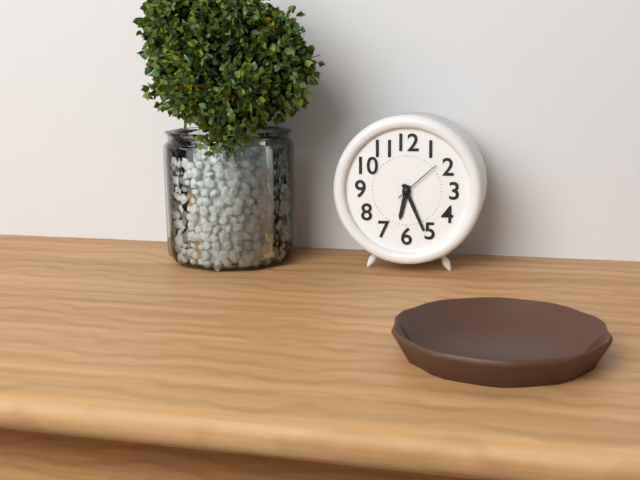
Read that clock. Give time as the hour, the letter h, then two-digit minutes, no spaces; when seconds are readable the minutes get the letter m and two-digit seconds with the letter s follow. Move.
6h26m08s
